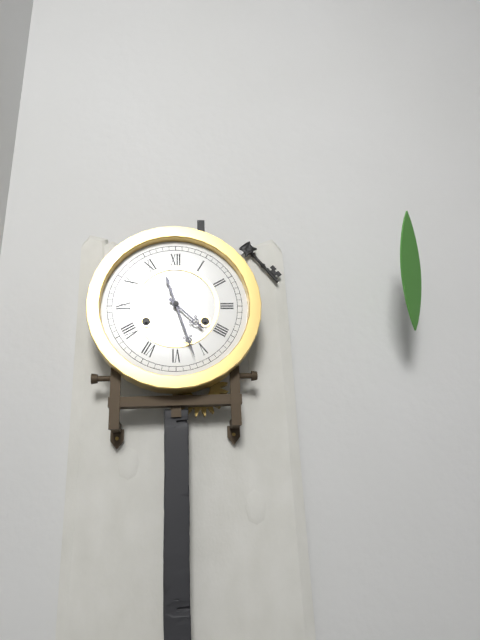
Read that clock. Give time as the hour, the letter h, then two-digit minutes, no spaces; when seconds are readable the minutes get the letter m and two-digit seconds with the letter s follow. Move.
4h27
